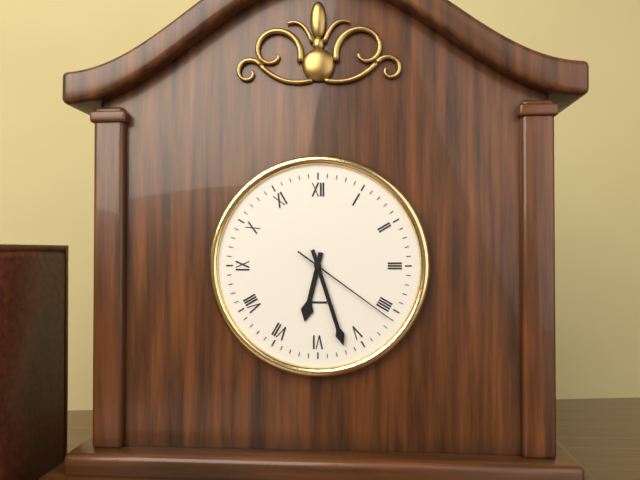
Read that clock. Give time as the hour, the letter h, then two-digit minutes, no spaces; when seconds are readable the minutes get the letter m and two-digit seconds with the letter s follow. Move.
6h27m21s
